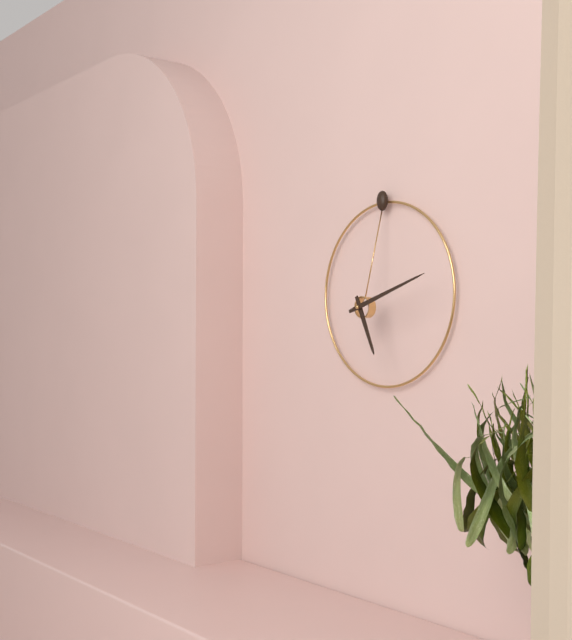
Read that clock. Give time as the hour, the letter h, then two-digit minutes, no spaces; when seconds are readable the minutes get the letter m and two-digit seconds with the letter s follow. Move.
5h12
